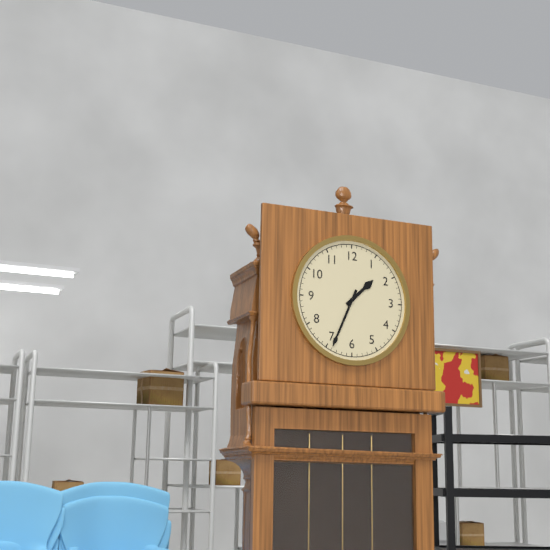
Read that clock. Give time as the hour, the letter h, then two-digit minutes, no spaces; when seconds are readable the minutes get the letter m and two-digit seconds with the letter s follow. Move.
1h34
